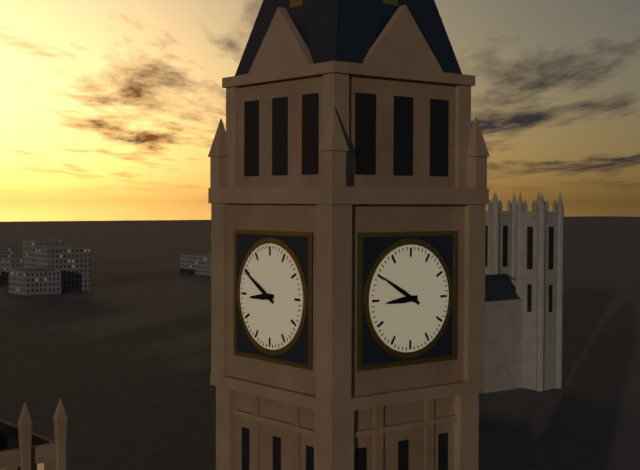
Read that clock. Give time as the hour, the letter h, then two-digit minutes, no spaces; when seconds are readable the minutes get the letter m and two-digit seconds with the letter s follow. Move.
8h50
